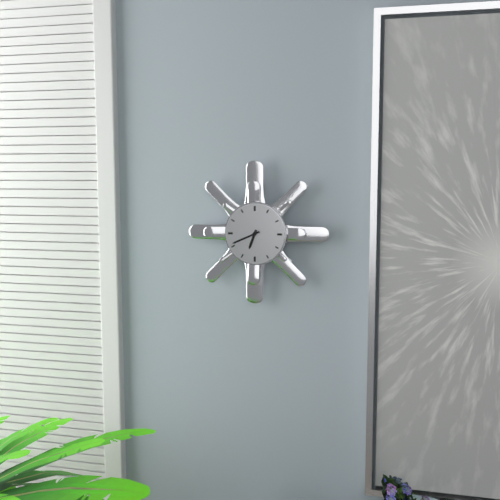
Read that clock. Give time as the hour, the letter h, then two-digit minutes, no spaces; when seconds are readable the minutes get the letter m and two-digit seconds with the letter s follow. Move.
6h41
